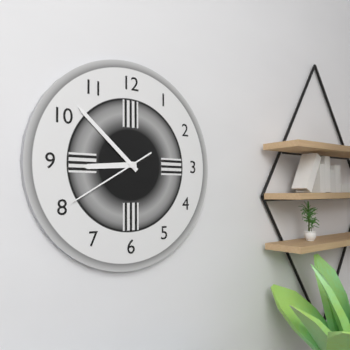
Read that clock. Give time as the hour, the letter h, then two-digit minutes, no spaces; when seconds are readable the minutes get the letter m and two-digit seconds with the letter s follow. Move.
8h52m40s
